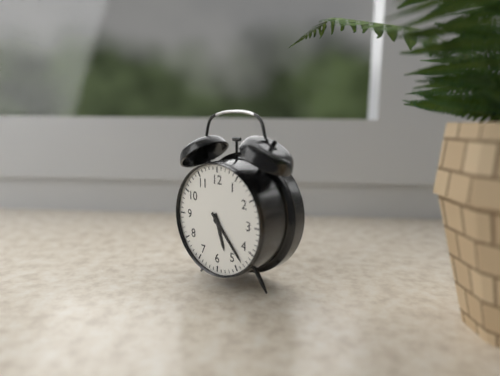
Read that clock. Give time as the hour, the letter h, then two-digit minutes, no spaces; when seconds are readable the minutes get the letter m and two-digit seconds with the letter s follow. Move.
5h23
